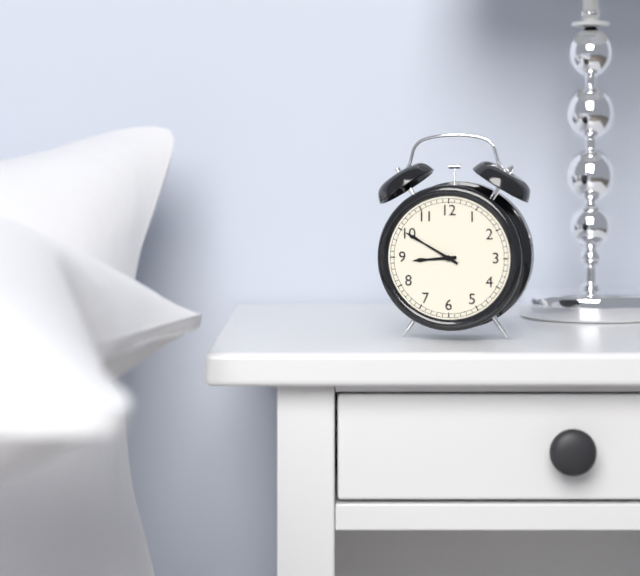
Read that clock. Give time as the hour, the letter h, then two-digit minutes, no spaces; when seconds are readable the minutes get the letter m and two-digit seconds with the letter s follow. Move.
8h50
